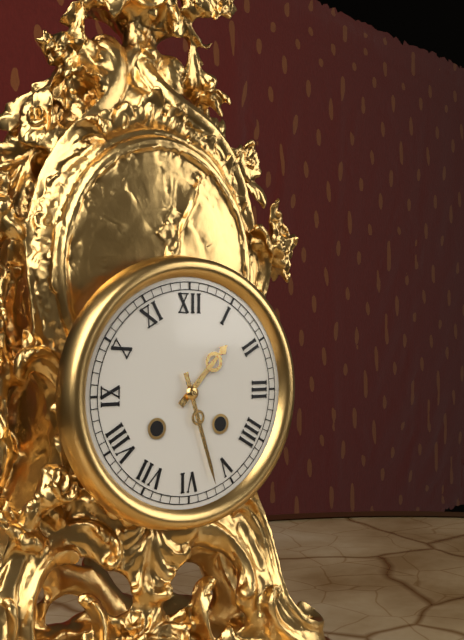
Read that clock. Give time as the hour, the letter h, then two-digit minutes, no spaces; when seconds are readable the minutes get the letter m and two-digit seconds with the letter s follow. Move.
1h27
